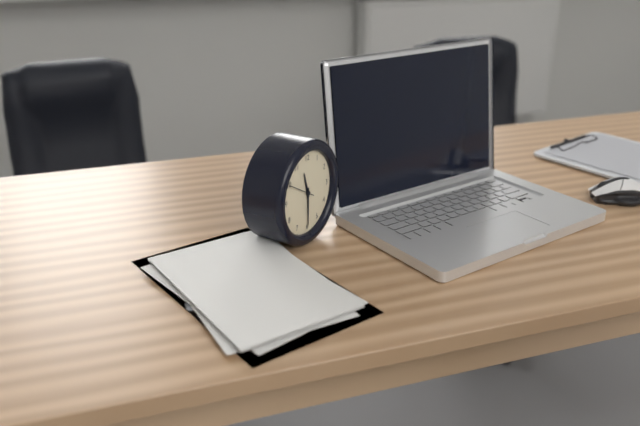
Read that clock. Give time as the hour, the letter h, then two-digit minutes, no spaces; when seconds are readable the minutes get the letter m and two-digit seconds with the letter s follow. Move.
11h30
